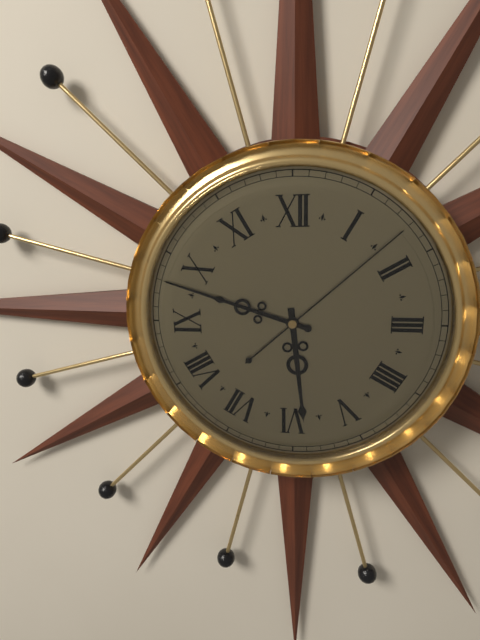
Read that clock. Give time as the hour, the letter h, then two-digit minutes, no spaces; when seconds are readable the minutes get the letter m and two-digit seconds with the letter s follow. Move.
5h48m08s
